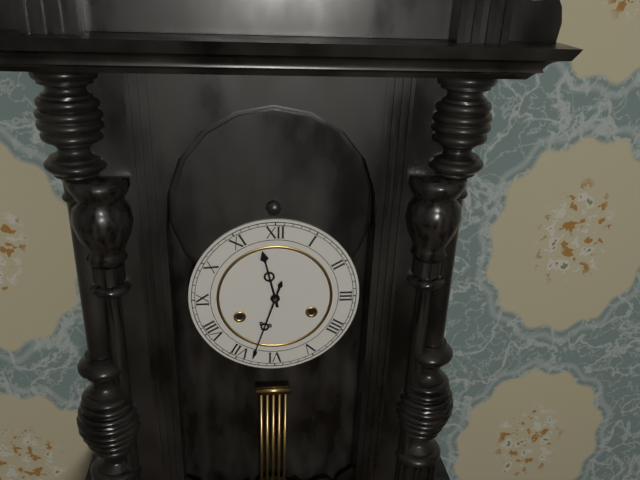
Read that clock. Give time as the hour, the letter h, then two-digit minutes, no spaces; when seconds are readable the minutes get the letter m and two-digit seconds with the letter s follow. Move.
11h33
